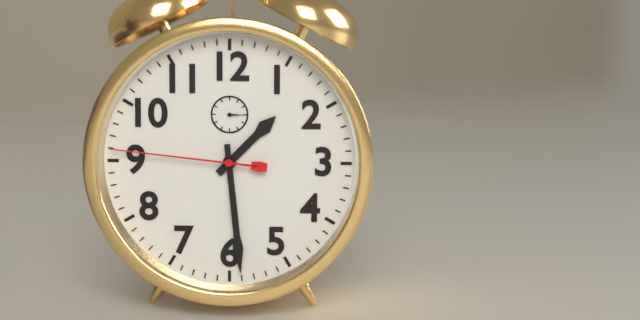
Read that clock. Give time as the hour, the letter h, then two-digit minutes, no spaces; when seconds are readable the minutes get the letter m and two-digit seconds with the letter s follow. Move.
1h29m46s
